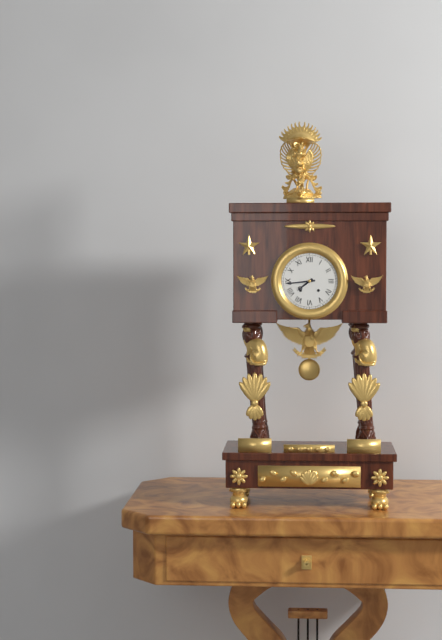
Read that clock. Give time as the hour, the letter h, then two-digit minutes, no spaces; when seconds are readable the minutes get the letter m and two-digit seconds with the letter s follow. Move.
7h44
